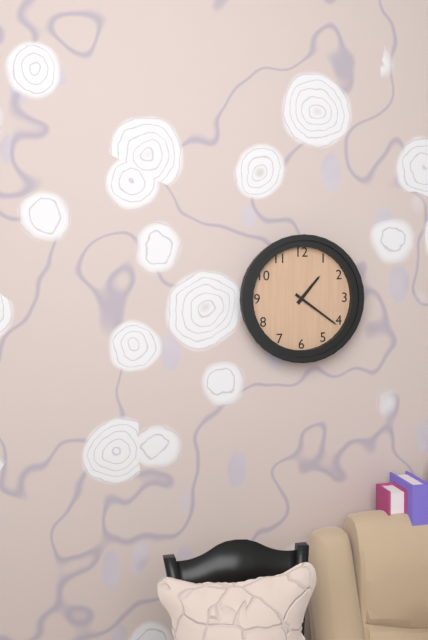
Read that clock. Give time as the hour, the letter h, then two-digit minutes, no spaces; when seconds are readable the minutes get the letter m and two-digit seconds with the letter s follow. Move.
1h21
